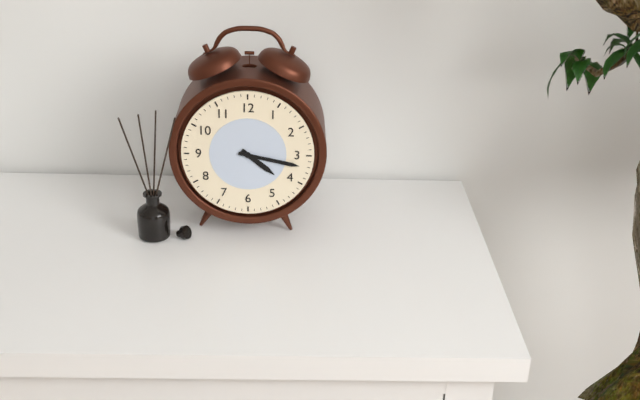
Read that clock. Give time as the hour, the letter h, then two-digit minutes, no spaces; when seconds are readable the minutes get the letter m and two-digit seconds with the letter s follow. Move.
4h17
